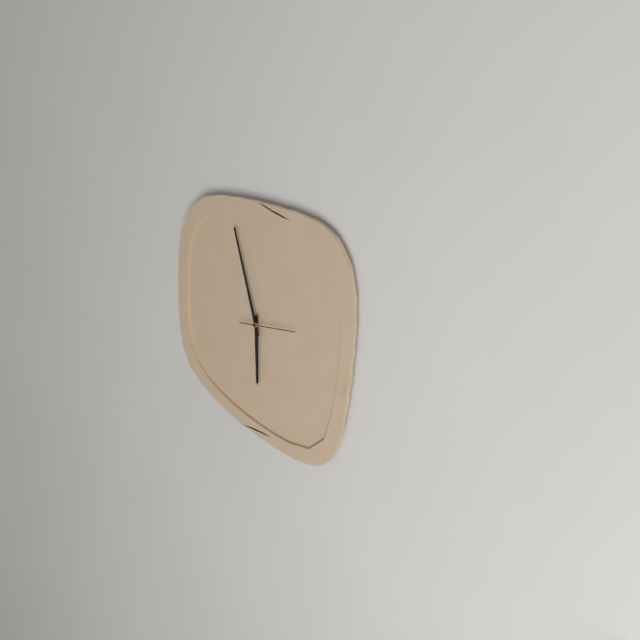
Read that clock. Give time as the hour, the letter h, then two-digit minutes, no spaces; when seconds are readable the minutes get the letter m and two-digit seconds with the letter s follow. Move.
5h57
